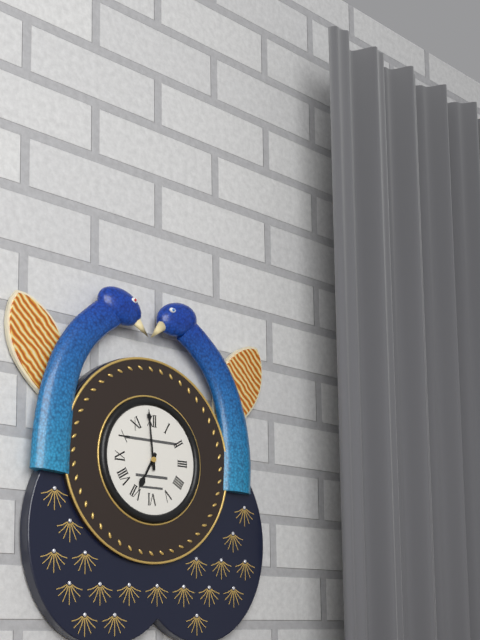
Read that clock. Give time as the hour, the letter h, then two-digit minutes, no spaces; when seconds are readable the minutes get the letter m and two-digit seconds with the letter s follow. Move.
6h59
